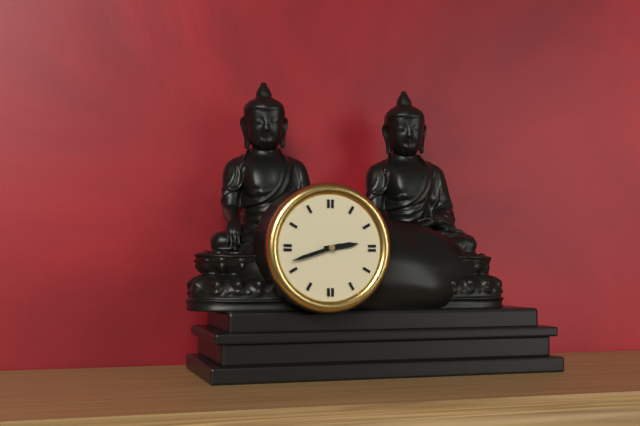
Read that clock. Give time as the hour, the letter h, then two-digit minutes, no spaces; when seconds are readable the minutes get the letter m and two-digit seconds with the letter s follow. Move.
2h42
